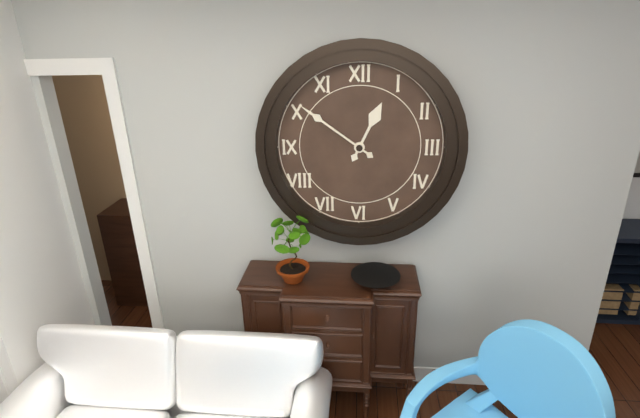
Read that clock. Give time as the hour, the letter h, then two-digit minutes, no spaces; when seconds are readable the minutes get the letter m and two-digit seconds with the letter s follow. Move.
12h51
